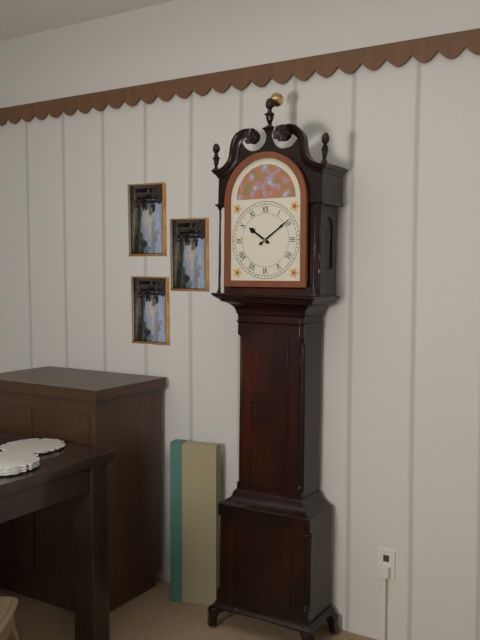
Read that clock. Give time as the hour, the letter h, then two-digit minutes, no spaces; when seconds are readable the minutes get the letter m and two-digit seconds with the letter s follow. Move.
10h09
